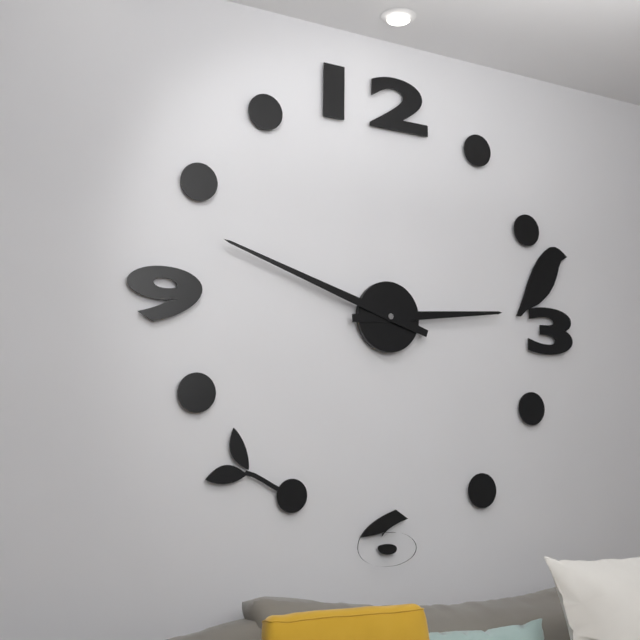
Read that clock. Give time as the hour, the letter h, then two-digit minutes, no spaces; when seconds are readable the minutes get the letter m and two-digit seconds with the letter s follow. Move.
2h48
